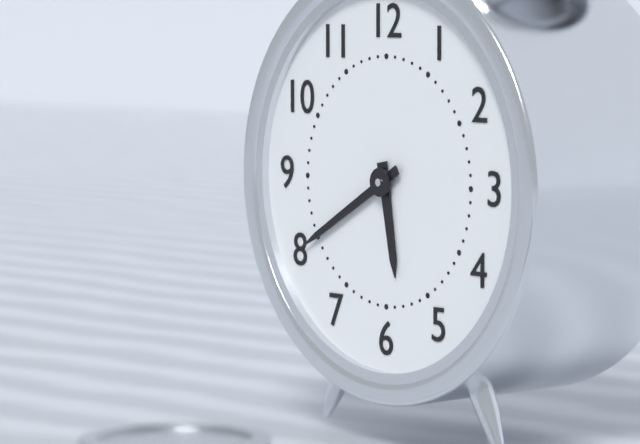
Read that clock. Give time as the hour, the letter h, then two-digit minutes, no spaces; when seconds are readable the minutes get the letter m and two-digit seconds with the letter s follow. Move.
5h40
